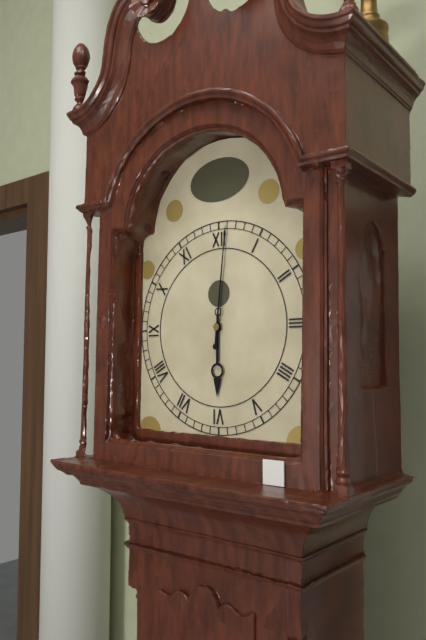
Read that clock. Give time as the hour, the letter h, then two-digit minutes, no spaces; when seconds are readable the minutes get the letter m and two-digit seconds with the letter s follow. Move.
6h01
